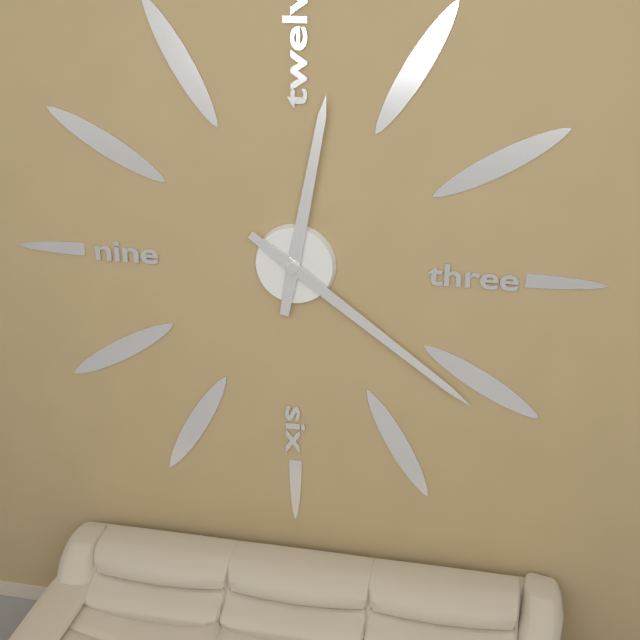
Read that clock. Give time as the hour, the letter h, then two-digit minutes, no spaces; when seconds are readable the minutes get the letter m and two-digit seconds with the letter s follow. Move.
12h21
